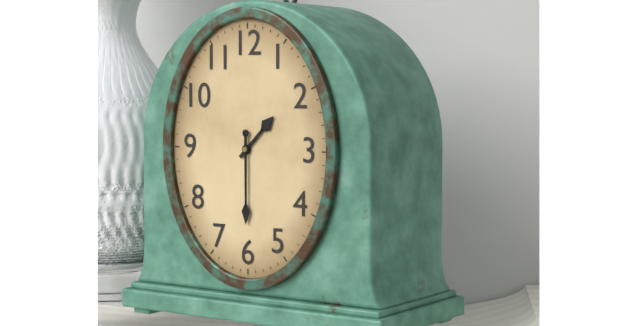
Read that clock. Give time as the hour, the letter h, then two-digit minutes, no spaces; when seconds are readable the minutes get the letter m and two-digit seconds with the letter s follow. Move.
1h30
